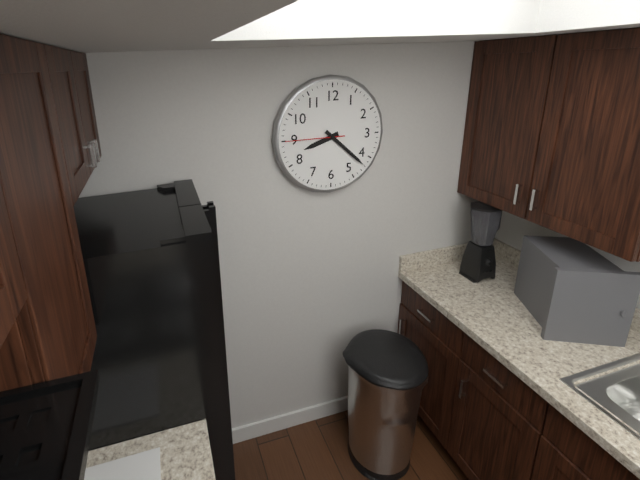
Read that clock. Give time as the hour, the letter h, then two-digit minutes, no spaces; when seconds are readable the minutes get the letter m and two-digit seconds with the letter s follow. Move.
8h22m45s
